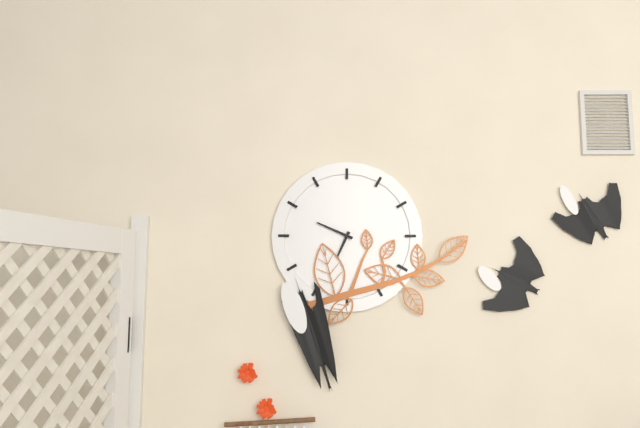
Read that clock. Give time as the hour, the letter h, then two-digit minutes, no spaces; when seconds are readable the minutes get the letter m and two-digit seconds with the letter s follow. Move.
6h49
